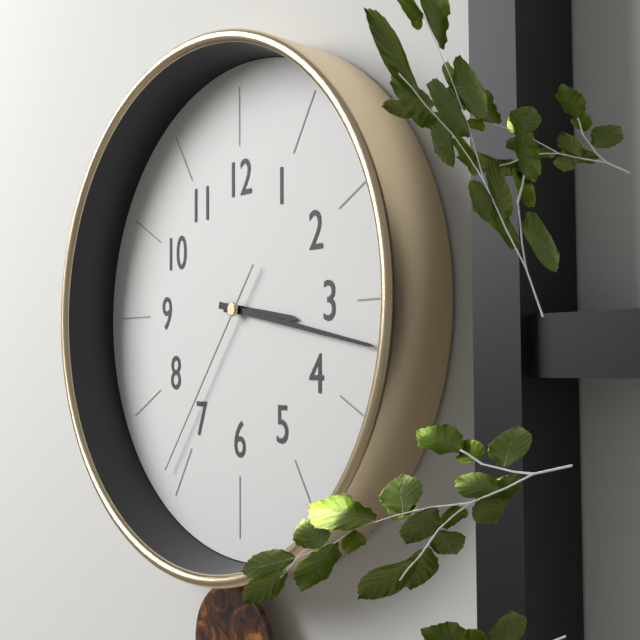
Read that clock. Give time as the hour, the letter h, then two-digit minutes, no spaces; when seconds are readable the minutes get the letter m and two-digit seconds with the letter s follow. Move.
3h17m36s
